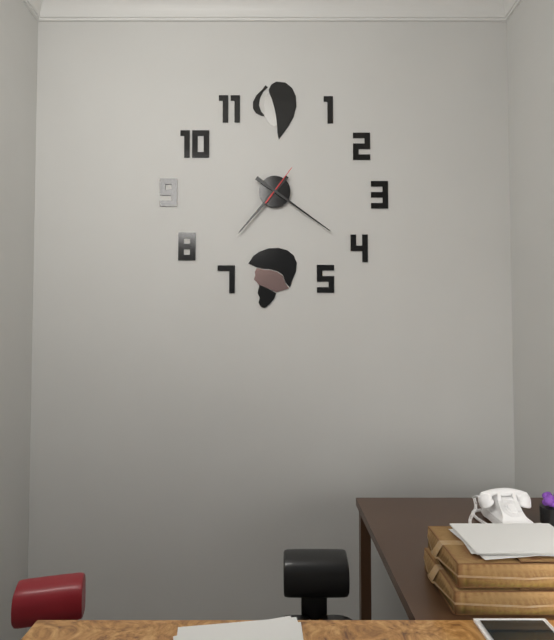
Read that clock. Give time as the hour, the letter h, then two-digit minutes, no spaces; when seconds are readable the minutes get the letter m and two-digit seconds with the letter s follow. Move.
7h21
